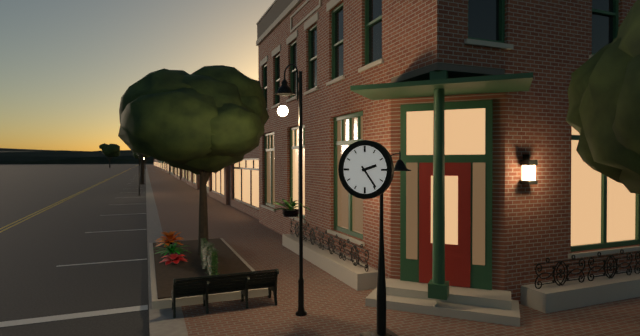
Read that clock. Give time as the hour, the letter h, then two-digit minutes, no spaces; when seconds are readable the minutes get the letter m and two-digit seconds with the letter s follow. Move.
2h24
